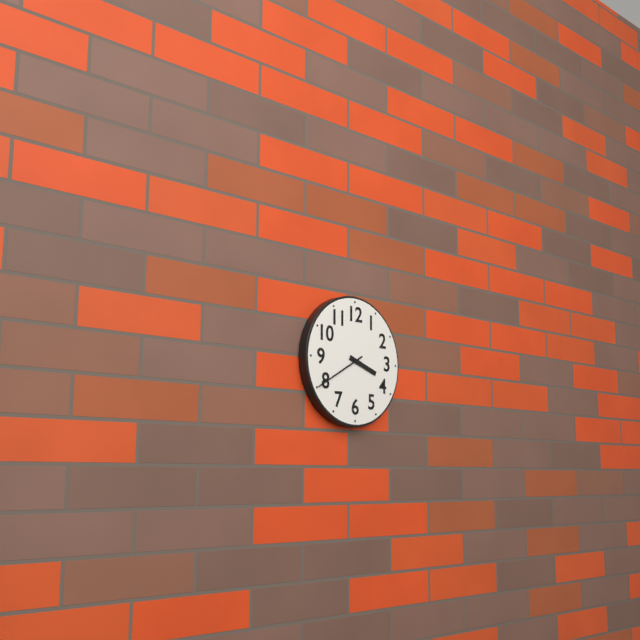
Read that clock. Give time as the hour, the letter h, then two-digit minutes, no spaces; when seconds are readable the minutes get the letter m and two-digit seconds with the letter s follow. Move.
3h40
